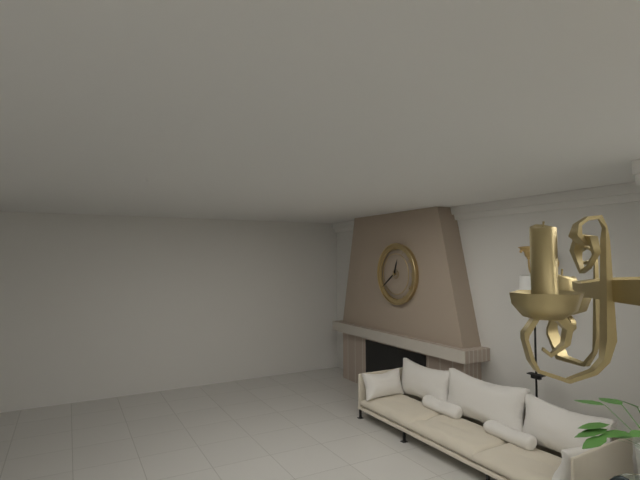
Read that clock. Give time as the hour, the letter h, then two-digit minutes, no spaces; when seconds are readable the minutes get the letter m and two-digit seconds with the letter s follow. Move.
12h39
